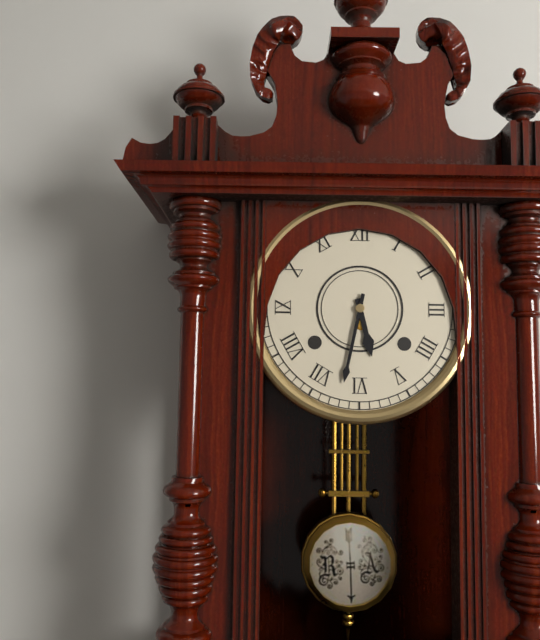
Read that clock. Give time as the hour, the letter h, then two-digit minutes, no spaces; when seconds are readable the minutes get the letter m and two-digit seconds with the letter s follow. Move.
5h32
